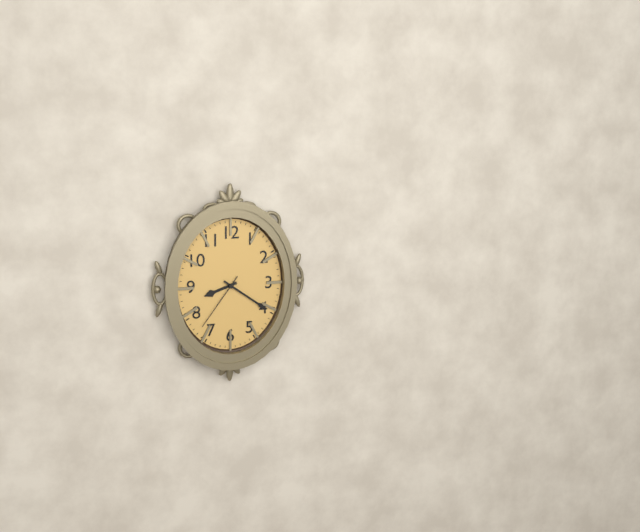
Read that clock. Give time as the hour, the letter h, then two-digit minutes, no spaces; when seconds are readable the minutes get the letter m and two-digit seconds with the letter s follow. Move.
8h21m36s
